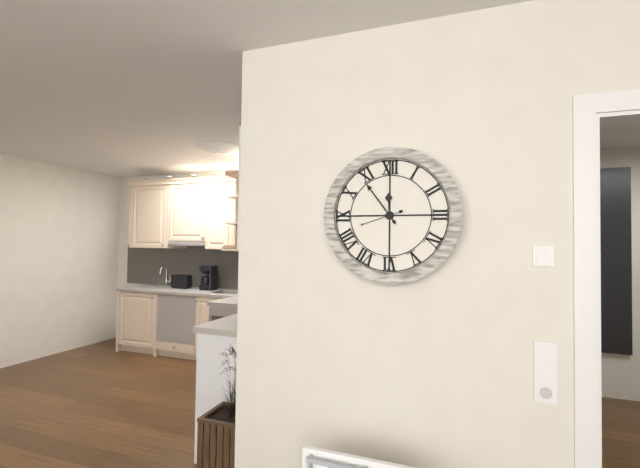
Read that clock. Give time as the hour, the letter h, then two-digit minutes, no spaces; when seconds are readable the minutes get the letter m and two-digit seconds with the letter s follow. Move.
11h54
